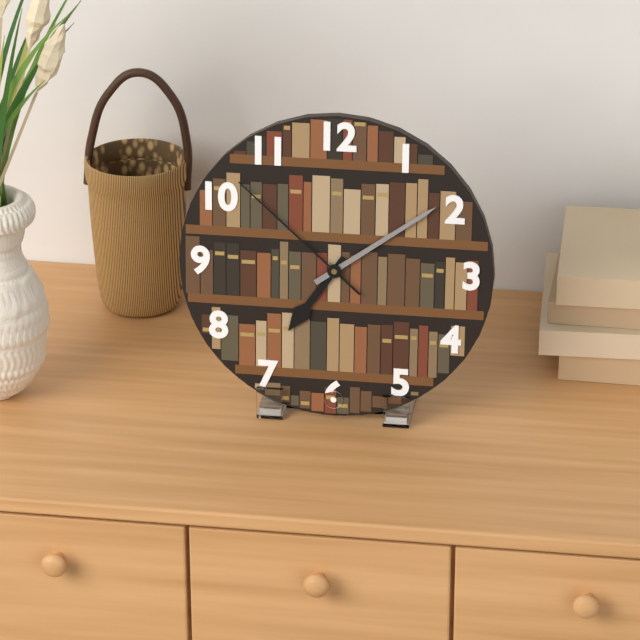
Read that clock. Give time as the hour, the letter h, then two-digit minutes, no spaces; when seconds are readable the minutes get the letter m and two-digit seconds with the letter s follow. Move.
7h09m52s
